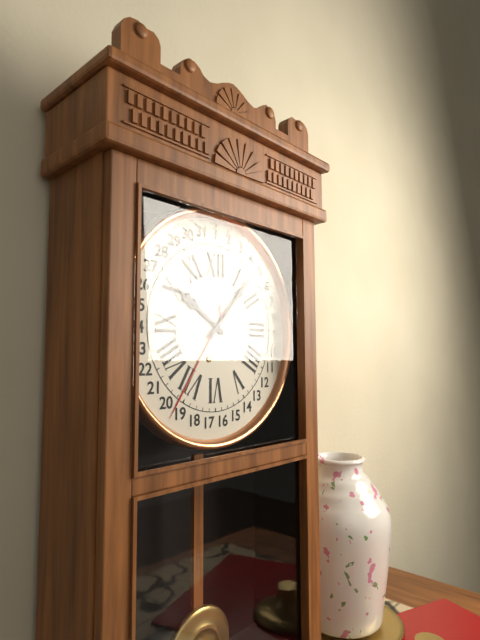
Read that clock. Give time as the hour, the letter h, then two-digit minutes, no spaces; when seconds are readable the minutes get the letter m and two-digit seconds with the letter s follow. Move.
10h07
